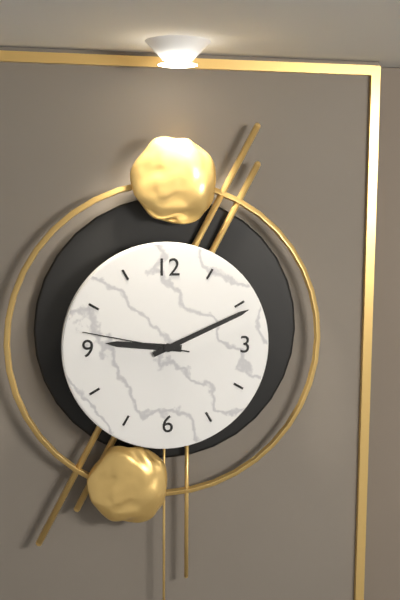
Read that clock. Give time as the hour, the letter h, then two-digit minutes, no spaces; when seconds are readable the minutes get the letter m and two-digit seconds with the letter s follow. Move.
9h11m47s
